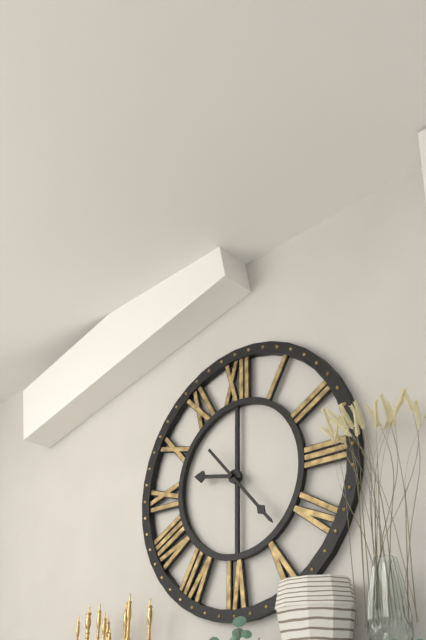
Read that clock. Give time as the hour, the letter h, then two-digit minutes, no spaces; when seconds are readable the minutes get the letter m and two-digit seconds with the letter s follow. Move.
9h23
